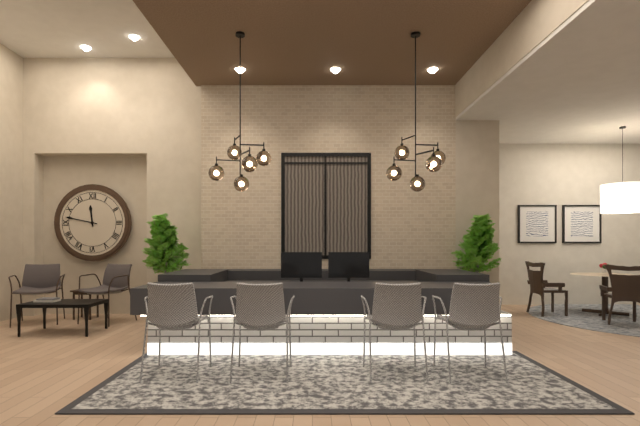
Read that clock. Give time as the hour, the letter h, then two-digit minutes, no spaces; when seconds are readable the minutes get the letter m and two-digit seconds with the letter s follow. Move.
11h47
